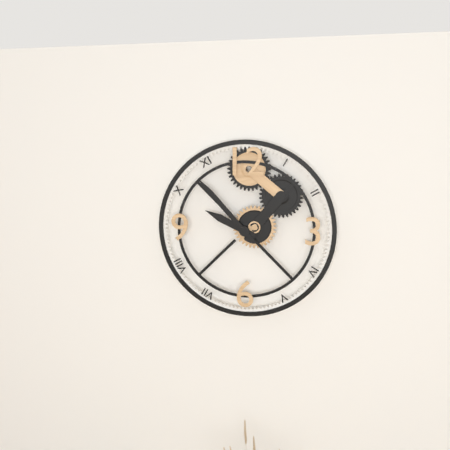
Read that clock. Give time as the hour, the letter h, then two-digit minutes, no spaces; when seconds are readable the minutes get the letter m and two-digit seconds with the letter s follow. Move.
9h53
